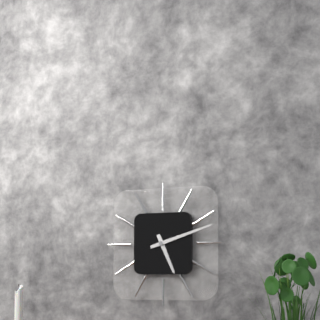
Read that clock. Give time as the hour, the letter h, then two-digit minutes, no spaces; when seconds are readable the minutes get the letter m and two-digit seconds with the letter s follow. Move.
5h12
